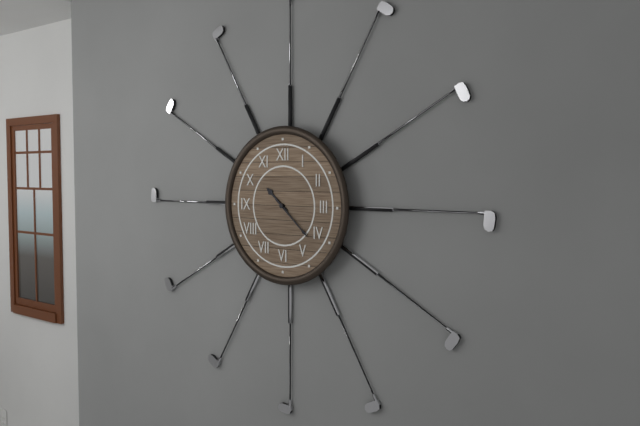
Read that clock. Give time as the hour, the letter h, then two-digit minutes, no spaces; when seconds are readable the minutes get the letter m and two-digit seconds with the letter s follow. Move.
10h22
